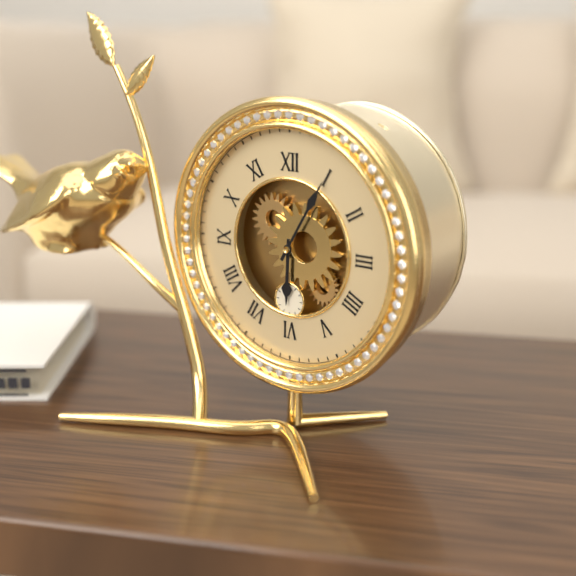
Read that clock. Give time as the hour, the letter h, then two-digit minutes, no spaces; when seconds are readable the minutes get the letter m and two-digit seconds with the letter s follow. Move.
6h05
